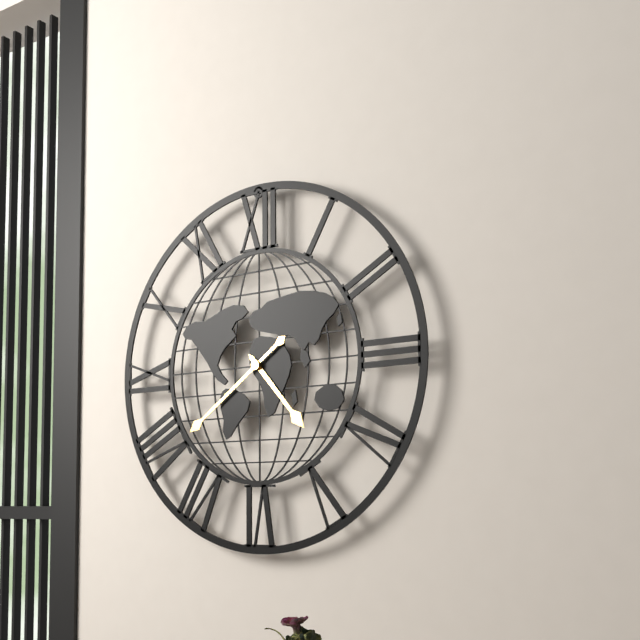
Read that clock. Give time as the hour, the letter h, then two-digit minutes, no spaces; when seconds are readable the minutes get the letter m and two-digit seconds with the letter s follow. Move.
4h39
